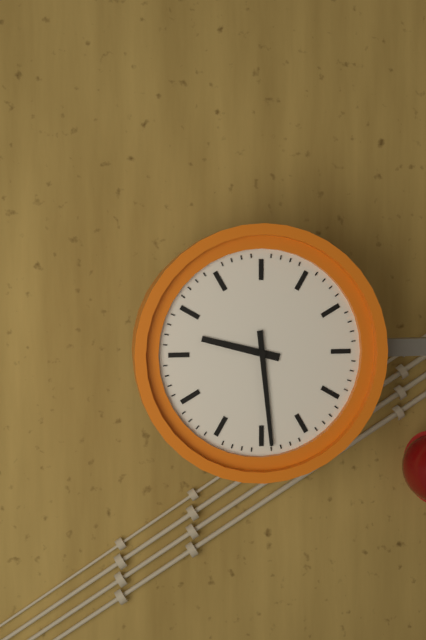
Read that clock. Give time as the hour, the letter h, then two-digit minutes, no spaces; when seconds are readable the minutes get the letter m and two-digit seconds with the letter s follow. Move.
9h29
